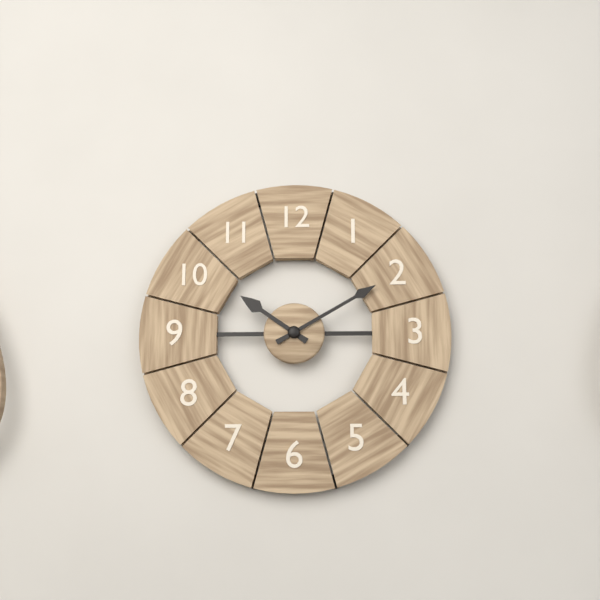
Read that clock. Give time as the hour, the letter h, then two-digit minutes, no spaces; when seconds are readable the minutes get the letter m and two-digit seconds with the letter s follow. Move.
10h10
